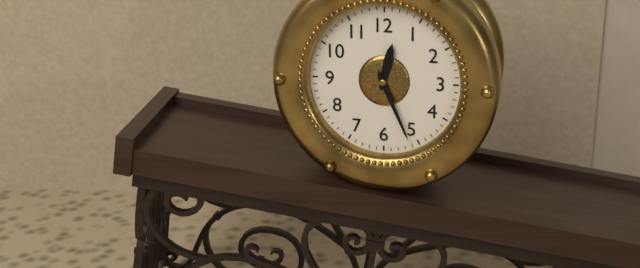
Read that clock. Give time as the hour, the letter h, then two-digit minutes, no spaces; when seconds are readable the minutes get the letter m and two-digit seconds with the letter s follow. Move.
12h26
